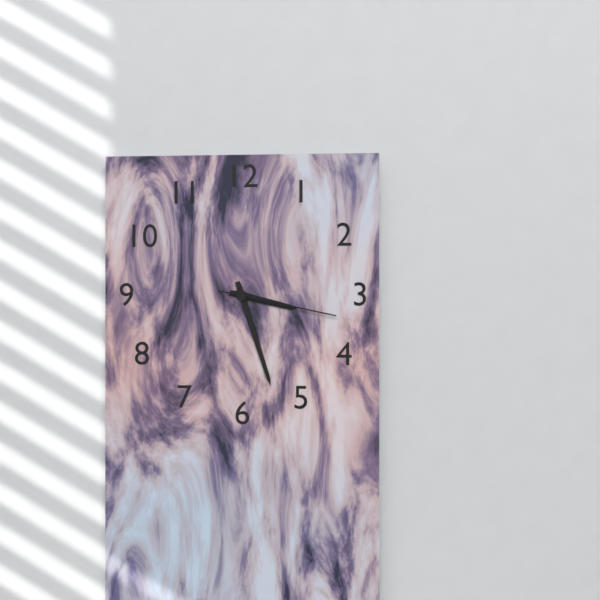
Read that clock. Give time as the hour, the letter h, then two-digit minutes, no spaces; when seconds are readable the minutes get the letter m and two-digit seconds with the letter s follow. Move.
3h27m17s
